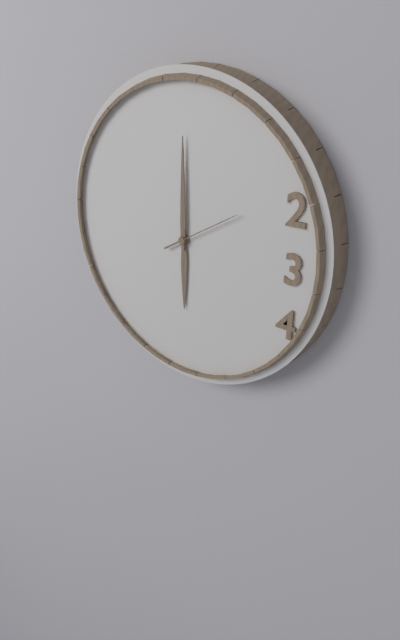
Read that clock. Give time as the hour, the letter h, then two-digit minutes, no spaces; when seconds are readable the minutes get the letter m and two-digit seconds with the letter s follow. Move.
6h00m10s
